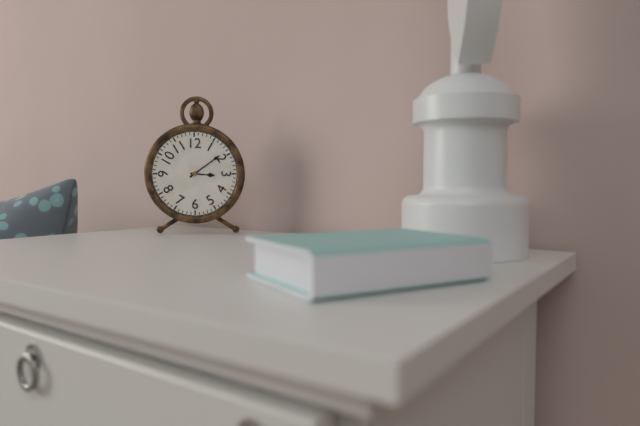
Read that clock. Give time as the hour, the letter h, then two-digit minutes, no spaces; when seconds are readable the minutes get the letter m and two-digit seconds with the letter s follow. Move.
3h09
